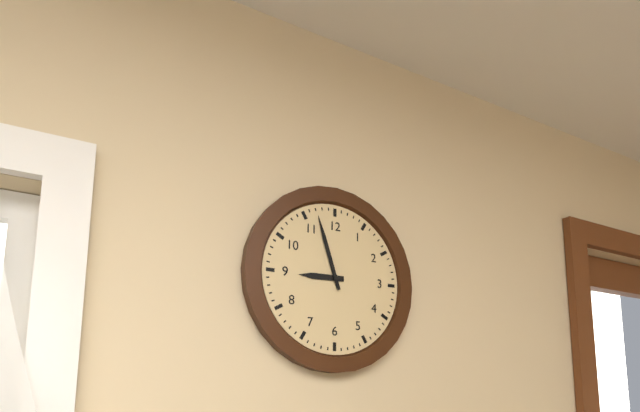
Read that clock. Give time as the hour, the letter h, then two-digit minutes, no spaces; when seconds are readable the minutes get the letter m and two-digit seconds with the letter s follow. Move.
8h57
